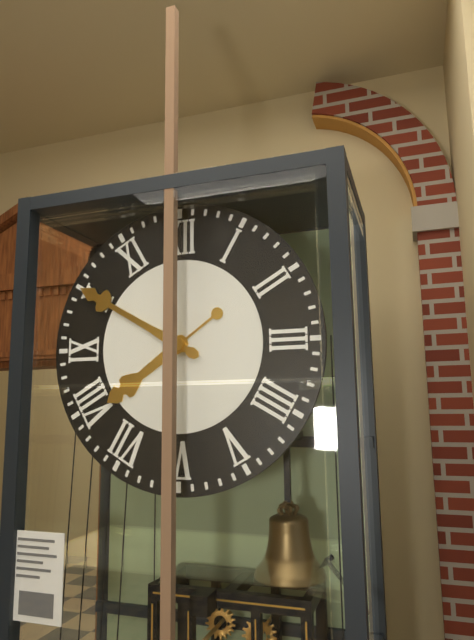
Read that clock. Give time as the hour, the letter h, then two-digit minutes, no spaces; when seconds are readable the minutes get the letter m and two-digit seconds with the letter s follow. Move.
7h50
